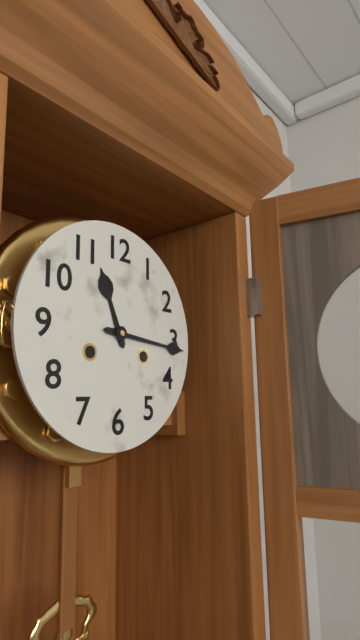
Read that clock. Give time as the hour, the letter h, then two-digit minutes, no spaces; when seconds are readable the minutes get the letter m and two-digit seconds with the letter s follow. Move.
11h16
